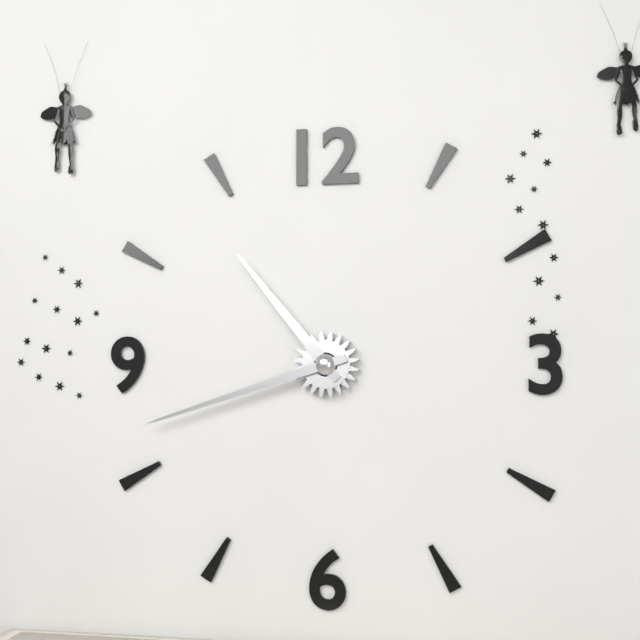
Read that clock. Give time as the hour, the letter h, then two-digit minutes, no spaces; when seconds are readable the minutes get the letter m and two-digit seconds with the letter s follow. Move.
10h42
